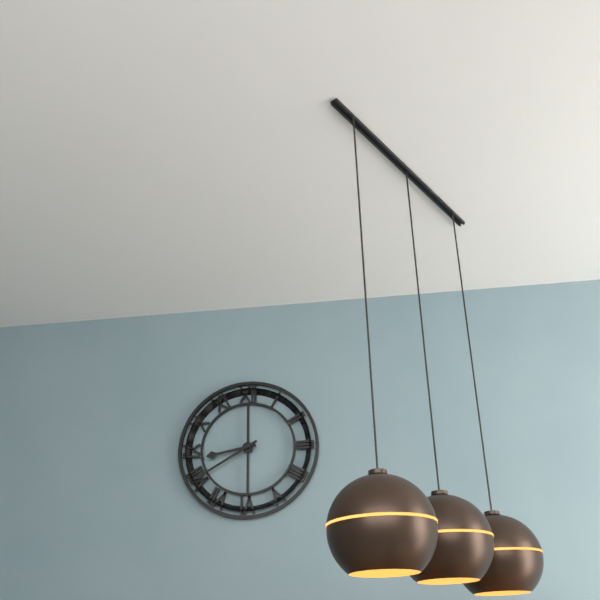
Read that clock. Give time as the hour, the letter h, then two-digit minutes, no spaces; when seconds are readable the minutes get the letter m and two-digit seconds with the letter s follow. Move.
8h40
